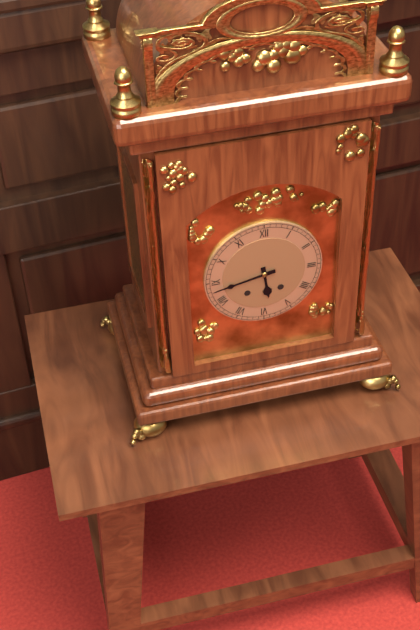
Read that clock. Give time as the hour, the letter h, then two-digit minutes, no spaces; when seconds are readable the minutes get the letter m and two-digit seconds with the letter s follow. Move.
5h43
